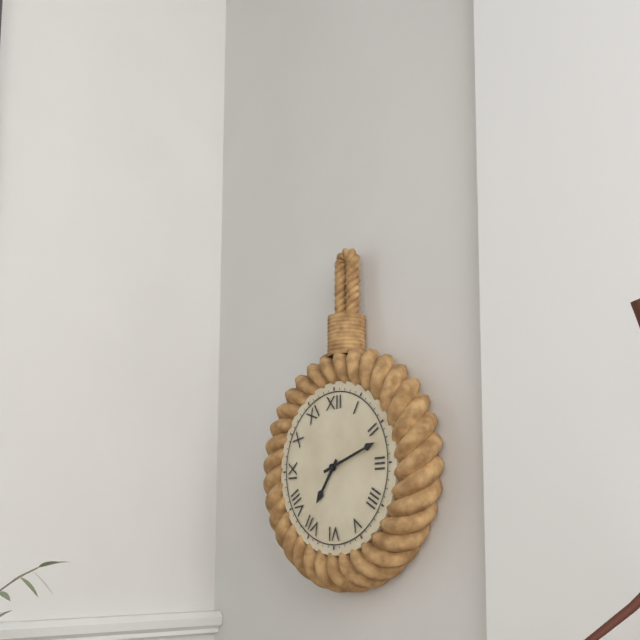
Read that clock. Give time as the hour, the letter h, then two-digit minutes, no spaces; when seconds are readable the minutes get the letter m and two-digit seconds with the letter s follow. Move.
7h12
